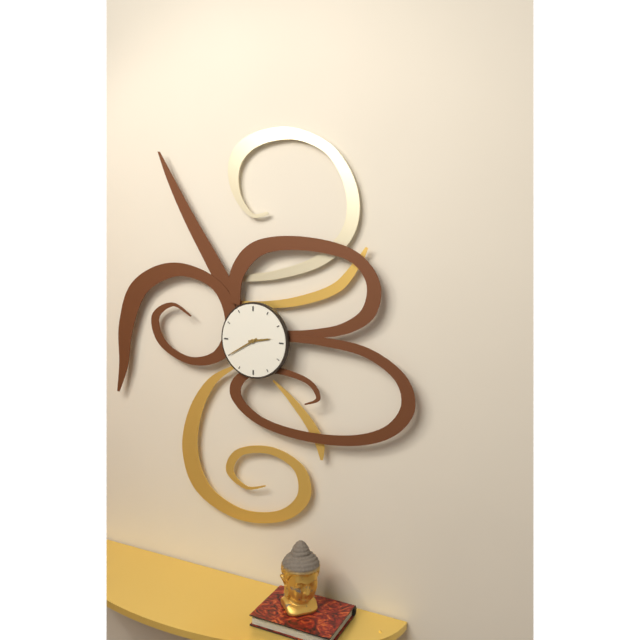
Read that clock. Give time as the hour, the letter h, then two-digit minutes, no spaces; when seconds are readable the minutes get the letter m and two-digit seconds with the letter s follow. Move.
2h40
